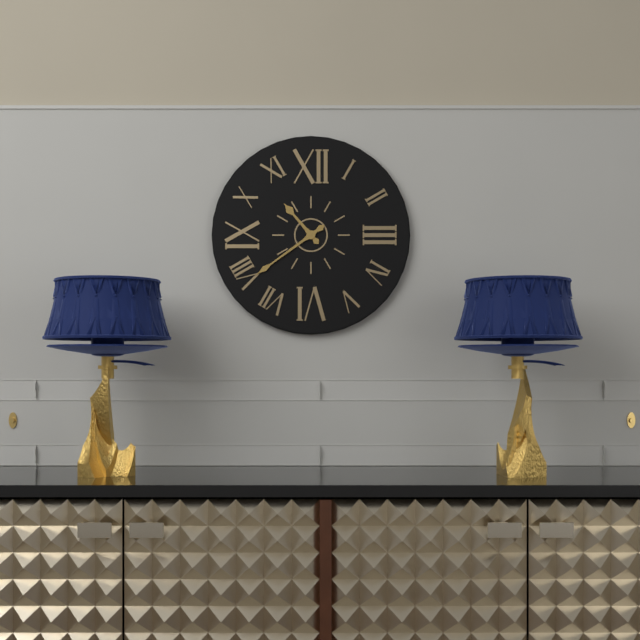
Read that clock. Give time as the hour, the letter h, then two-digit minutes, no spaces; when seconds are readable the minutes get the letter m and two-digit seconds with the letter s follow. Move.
10h39
